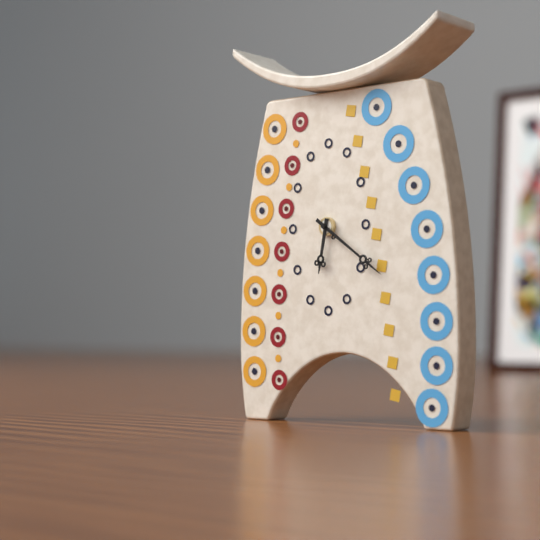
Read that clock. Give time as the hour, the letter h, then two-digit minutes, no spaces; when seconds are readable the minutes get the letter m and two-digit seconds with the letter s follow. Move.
6h21
